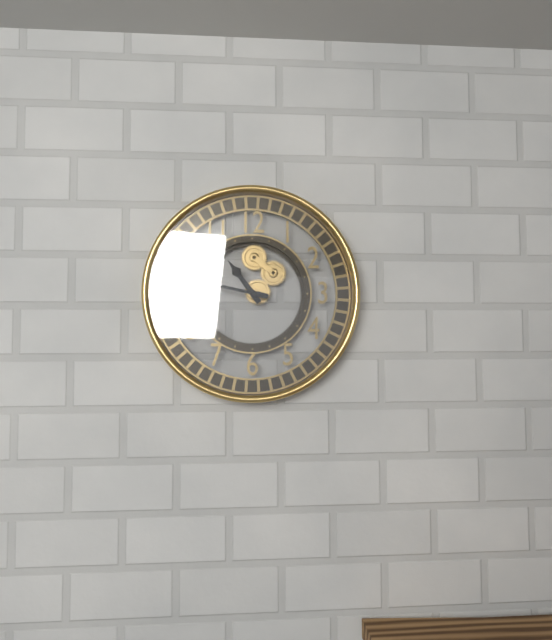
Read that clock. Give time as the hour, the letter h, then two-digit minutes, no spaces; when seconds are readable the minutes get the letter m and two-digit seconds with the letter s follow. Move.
10h47
